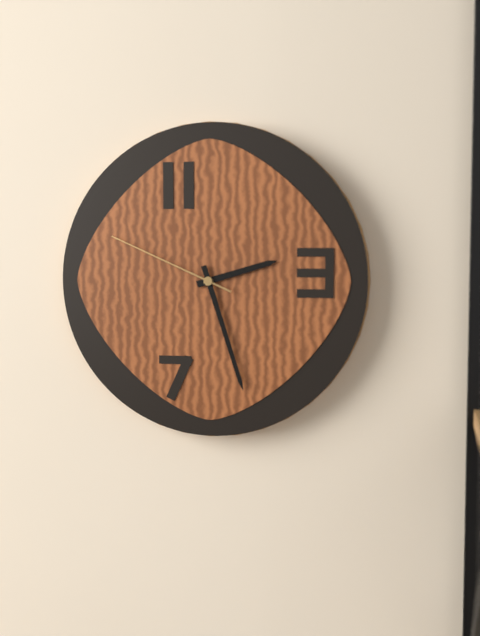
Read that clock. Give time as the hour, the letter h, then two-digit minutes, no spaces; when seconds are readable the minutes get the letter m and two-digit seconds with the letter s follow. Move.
2h27m49s
